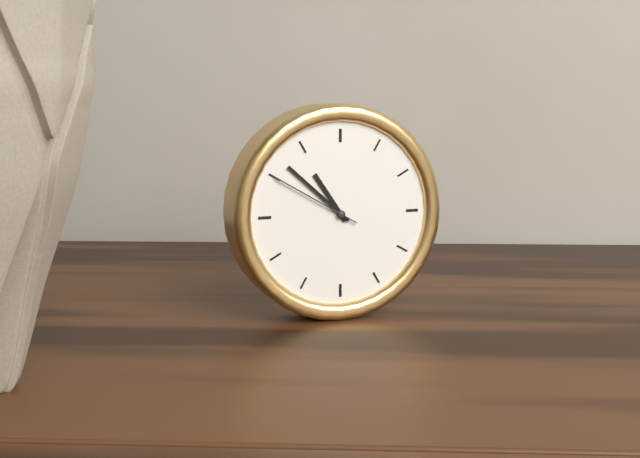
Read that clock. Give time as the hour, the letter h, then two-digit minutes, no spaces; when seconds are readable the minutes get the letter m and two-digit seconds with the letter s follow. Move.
10h52m50s
